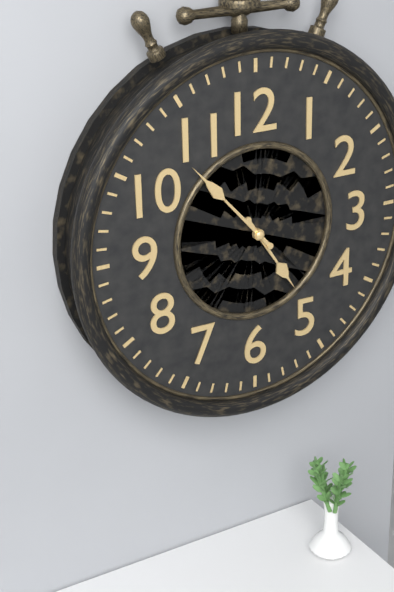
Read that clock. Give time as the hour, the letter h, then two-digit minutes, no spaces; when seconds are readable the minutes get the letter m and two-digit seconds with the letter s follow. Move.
4h53
